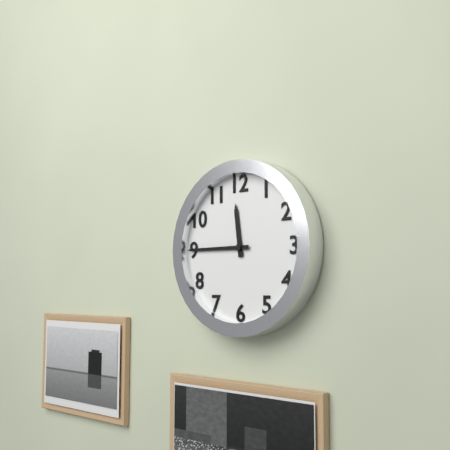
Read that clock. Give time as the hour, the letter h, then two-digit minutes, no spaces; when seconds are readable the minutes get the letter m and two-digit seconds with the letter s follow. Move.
11h45
